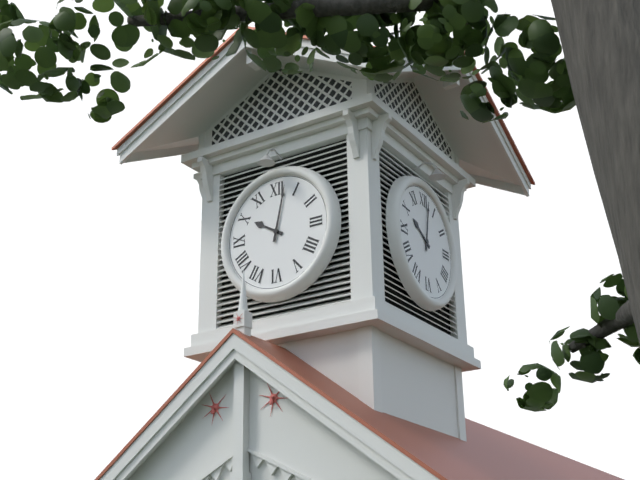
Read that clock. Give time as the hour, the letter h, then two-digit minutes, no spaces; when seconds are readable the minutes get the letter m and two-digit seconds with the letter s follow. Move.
10h02
